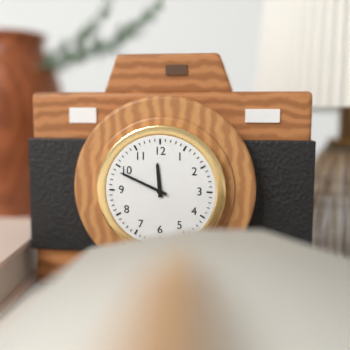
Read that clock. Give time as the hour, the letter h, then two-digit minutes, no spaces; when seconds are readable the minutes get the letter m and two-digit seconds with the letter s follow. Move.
11h49
